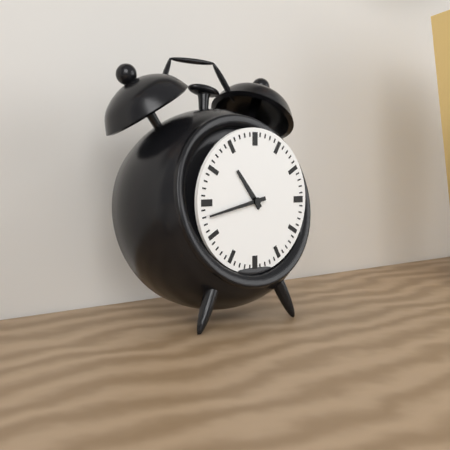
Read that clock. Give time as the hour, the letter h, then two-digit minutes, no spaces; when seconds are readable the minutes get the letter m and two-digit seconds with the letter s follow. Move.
10h43
